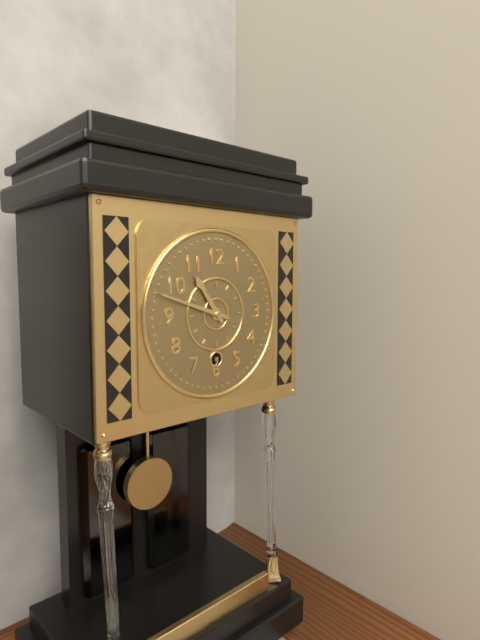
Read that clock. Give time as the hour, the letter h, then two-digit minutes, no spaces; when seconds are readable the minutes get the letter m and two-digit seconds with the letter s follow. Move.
10h48
